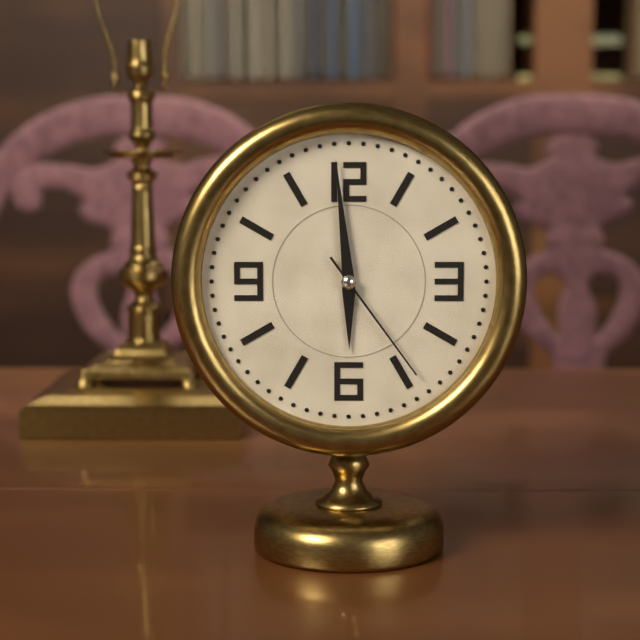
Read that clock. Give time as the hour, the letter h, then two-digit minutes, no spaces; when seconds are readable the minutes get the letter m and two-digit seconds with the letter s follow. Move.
5h59m24s
